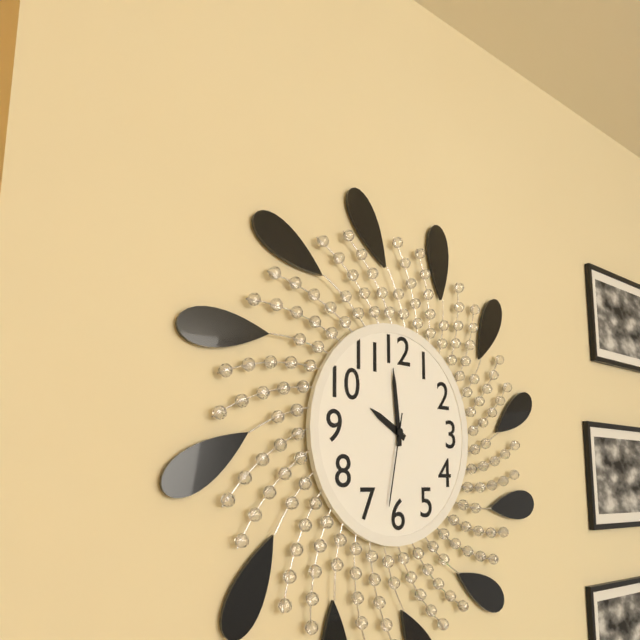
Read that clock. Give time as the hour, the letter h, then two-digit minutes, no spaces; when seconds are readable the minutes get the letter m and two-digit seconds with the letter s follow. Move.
9h59m32s
